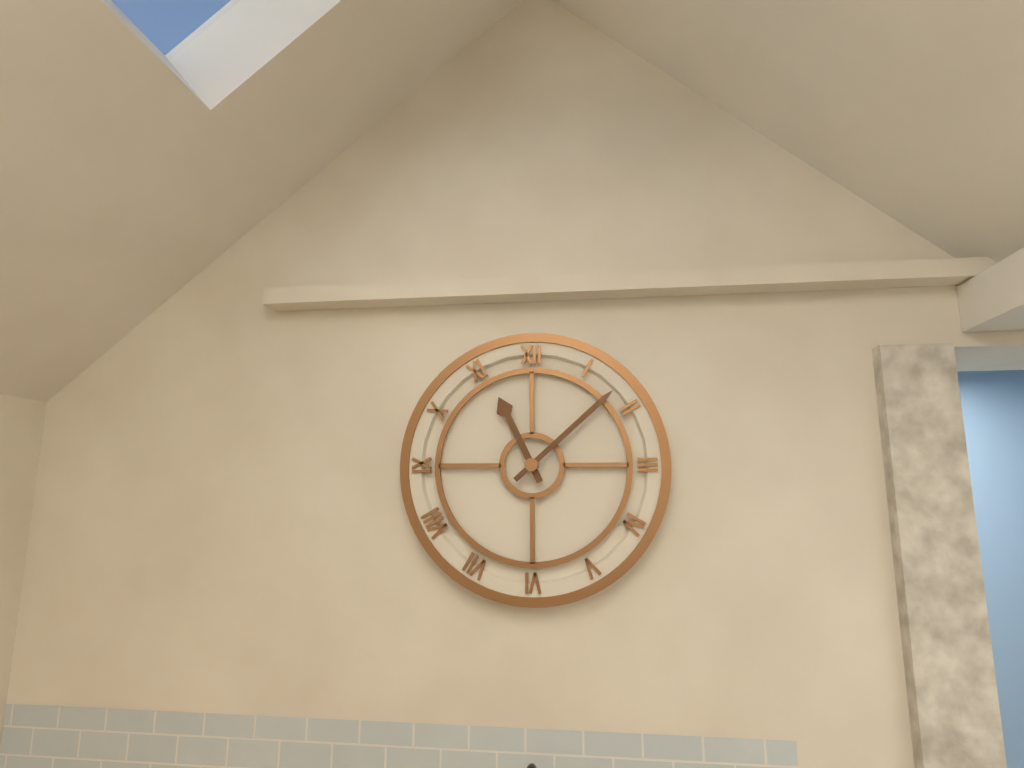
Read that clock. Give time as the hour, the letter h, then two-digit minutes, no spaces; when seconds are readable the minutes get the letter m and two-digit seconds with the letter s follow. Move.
11h08
